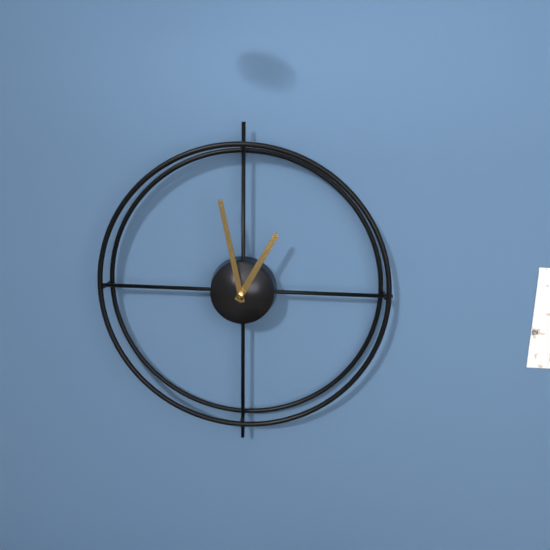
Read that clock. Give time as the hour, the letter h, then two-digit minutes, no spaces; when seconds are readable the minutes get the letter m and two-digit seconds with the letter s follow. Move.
12h58
